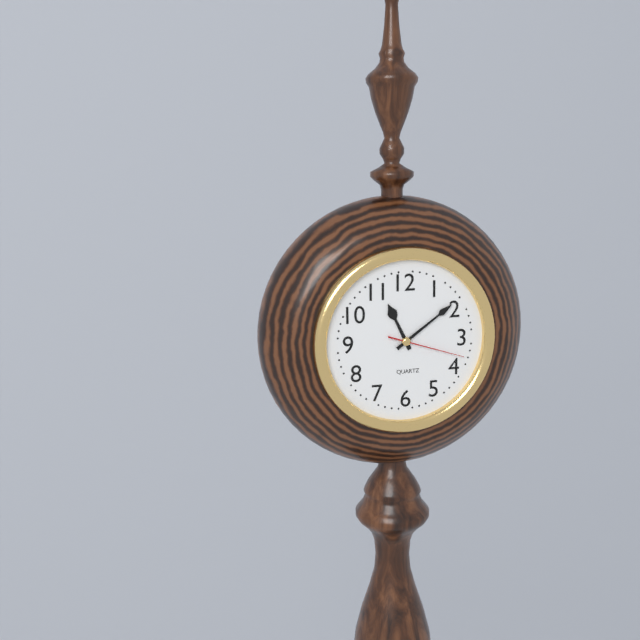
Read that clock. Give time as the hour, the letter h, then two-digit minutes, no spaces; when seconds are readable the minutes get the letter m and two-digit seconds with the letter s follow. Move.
11h09m18s
